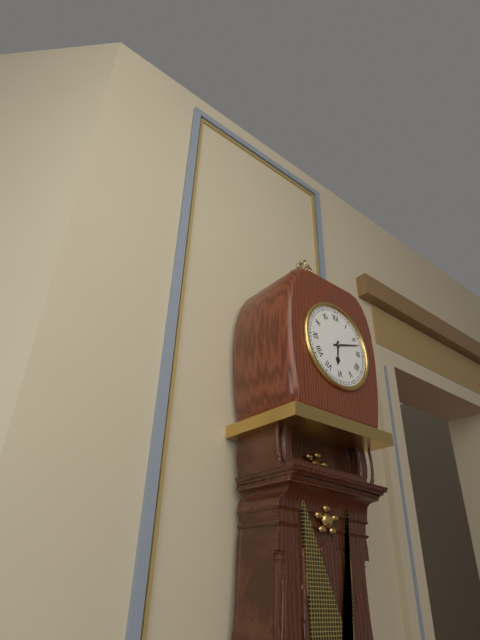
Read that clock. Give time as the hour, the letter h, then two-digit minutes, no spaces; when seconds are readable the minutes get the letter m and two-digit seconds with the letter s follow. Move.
6h12
